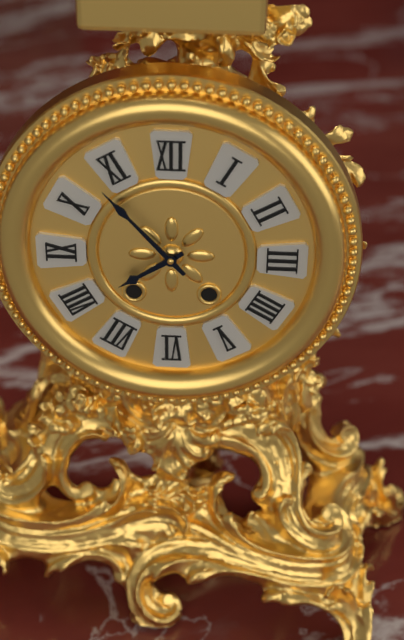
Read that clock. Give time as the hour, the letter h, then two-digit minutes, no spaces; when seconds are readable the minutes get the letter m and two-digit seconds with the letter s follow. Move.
7h53
